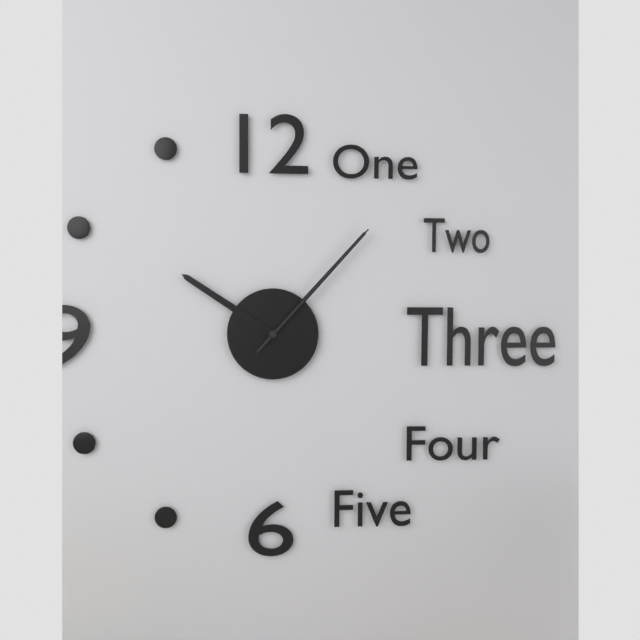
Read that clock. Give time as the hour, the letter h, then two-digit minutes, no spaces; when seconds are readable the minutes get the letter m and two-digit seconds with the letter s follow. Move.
10h07m07s
